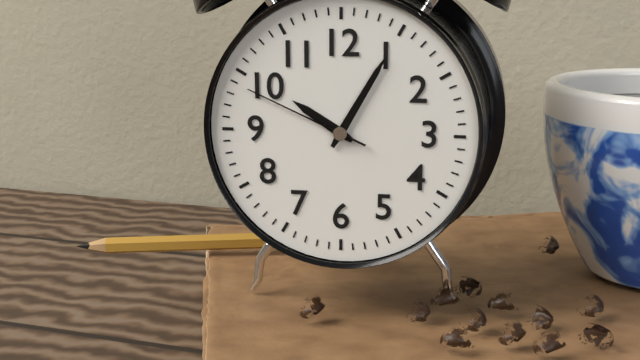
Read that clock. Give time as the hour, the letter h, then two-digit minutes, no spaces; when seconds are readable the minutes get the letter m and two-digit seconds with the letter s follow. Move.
10h05m49s
